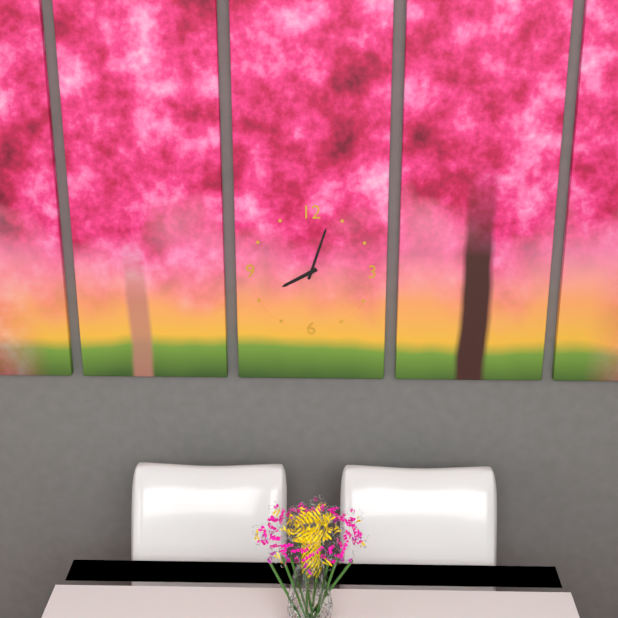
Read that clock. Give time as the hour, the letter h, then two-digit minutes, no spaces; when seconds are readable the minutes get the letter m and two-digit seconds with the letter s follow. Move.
8h03
